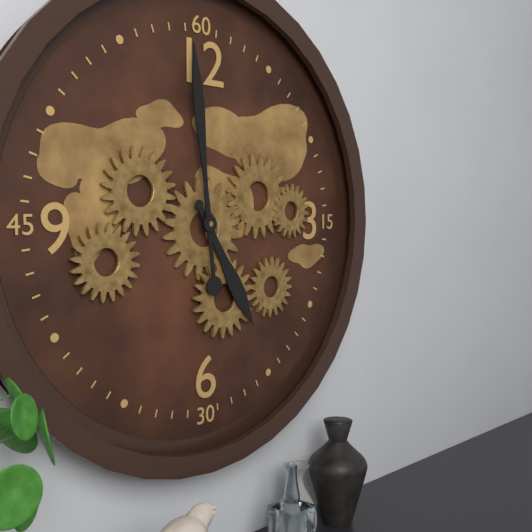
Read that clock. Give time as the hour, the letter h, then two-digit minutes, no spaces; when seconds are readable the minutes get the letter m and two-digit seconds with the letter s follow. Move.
4h59
